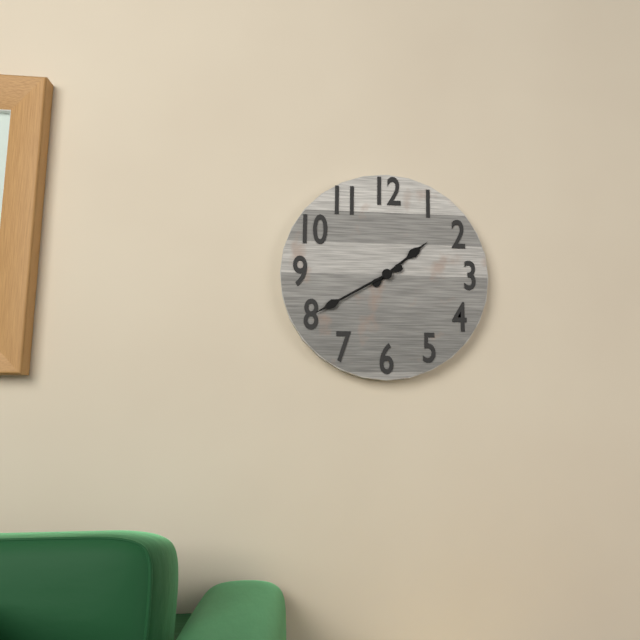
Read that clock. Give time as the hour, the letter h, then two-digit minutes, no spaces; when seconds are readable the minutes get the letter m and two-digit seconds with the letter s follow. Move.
1h40
